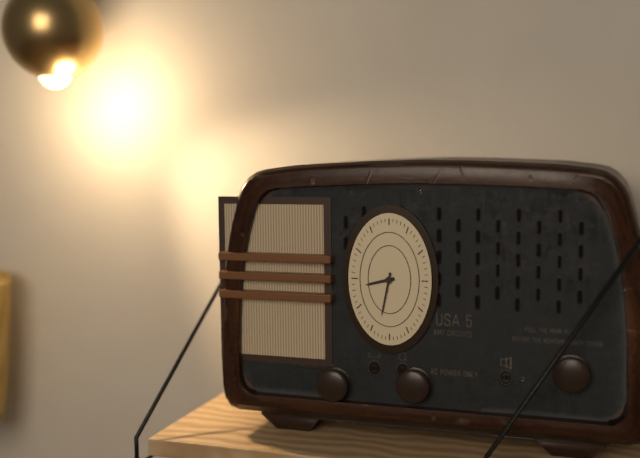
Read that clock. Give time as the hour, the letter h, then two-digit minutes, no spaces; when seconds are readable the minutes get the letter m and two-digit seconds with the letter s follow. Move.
8h32
